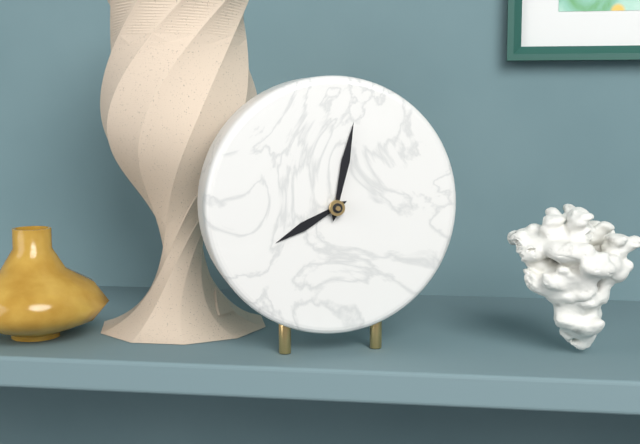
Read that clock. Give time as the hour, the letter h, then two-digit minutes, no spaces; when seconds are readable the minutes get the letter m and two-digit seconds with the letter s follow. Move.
8h02
